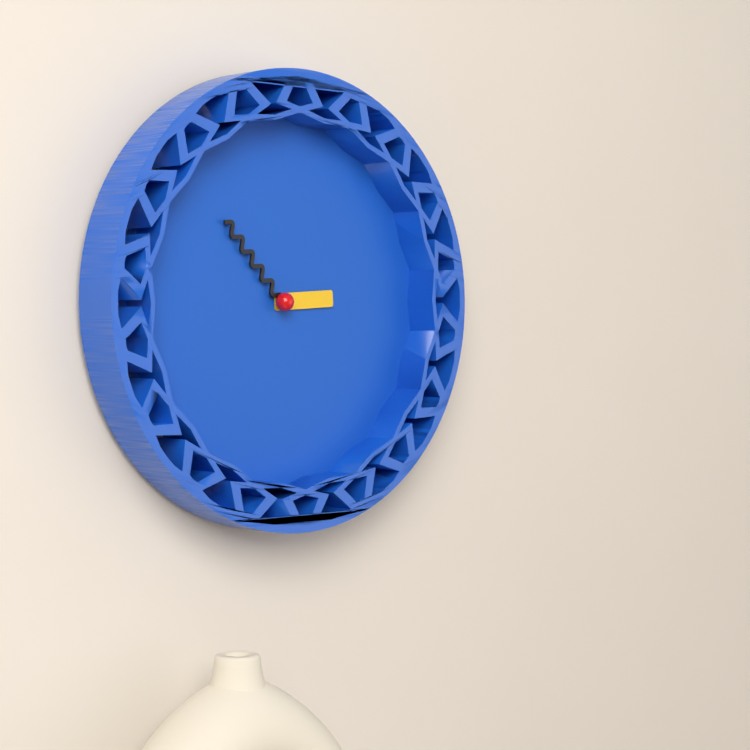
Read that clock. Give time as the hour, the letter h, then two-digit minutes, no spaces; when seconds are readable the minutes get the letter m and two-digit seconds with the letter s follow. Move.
2h53
